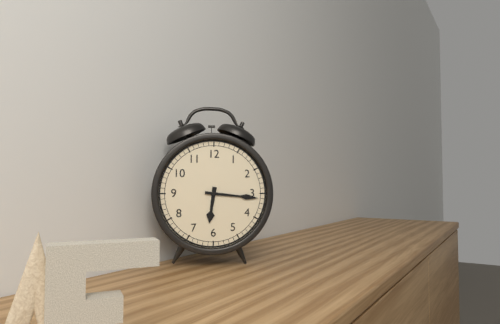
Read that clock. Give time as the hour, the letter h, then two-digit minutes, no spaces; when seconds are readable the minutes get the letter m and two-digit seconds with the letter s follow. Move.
6h16
